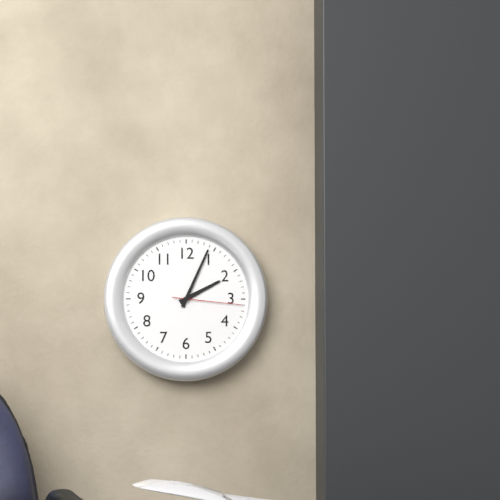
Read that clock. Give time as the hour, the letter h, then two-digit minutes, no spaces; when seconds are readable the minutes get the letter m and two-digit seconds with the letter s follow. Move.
2h04m16s
